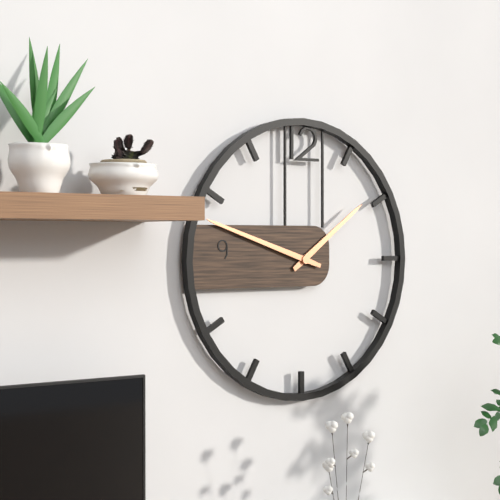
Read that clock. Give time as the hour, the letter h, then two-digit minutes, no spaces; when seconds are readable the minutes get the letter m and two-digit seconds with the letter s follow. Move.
1h48
